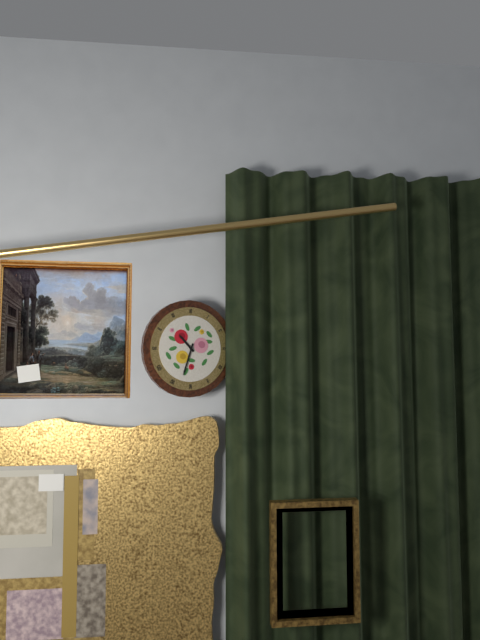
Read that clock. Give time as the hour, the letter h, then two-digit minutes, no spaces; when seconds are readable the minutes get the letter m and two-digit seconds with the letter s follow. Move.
10h33
